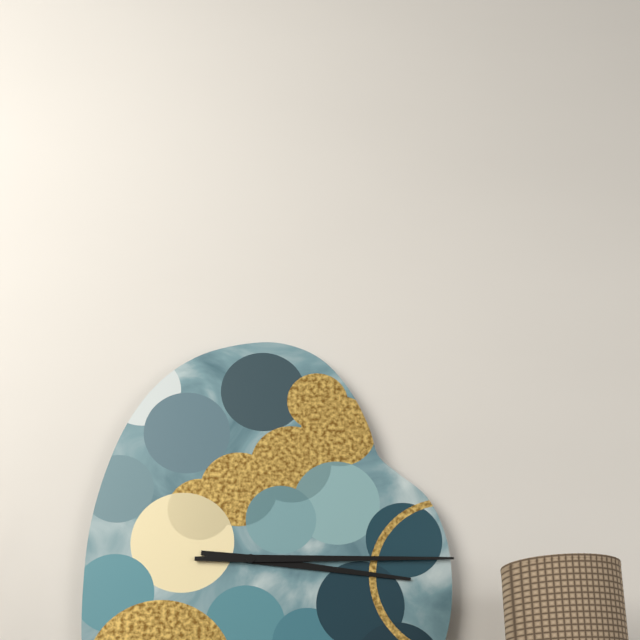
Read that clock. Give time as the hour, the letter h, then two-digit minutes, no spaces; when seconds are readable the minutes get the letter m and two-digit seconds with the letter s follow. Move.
3h15
